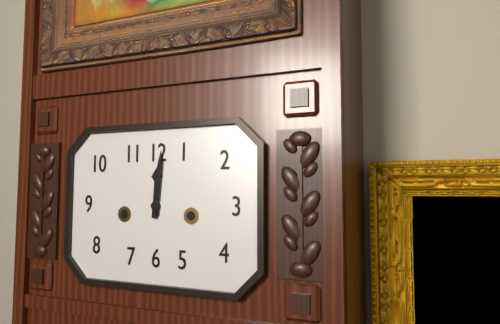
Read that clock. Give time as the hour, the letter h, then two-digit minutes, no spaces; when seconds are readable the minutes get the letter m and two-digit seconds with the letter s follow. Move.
12h01
